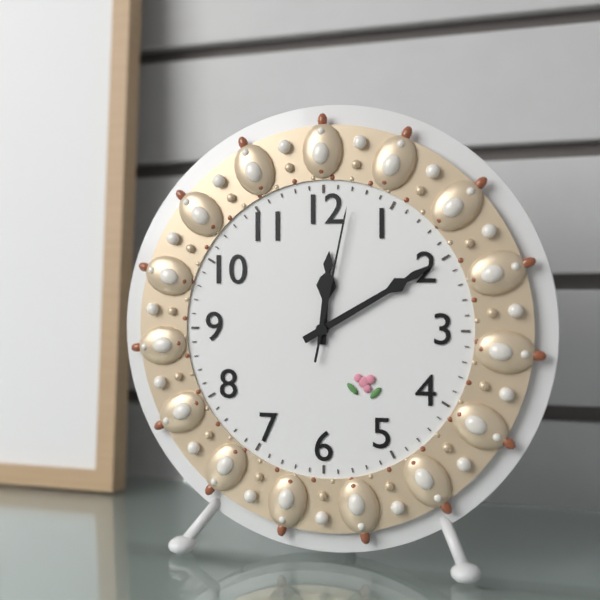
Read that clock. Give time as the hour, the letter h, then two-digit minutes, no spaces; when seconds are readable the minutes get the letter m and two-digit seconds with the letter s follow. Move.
12h10m02s
